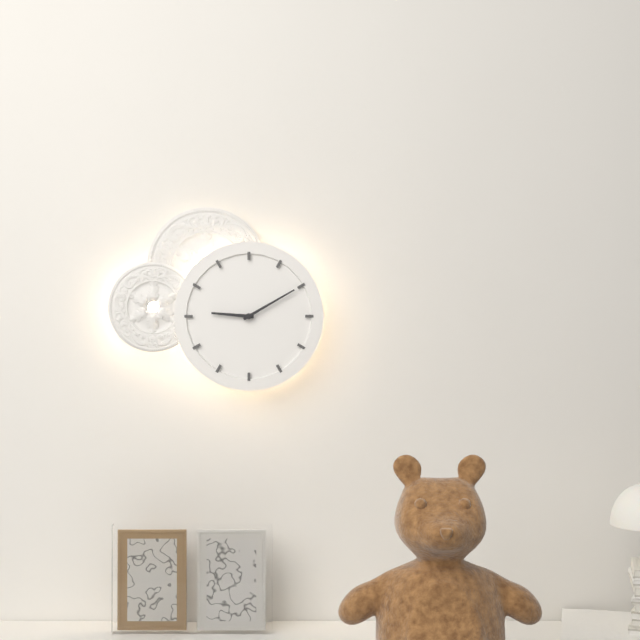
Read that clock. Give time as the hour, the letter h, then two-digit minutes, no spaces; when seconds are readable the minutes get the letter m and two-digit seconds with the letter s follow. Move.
9h10
